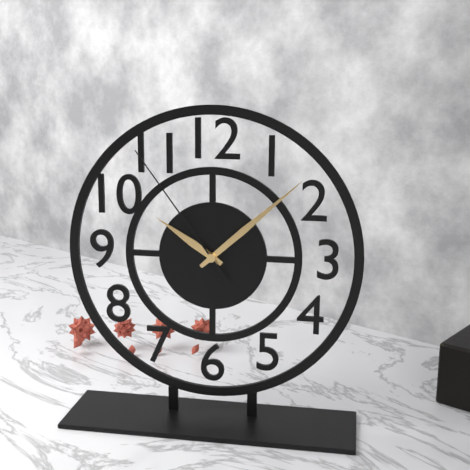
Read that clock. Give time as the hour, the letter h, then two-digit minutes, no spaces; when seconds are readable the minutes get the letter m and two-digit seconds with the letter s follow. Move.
10h08m54s
